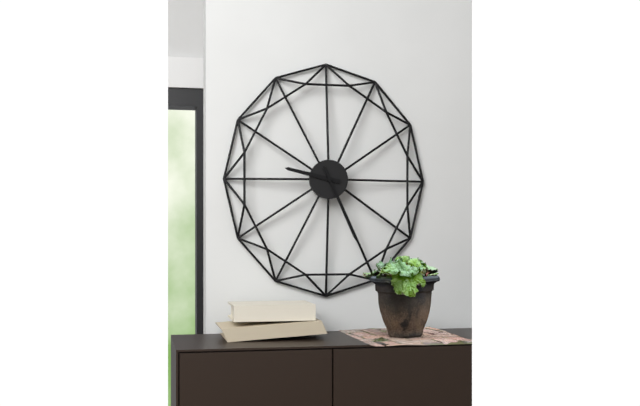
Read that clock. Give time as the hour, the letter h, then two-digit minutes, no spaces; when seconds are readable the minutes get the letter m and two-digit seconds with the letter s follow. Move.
9h26
